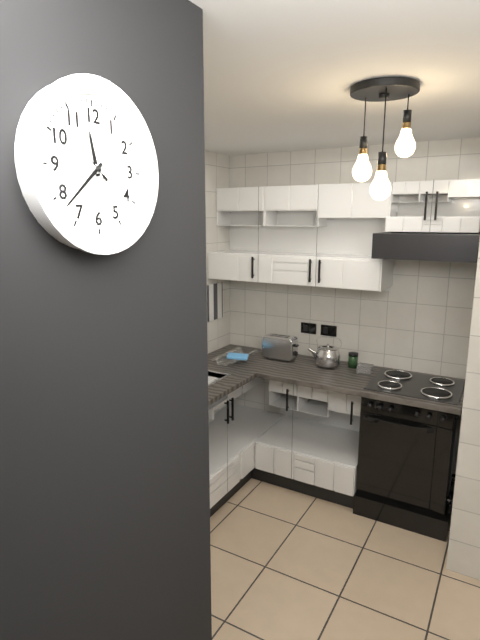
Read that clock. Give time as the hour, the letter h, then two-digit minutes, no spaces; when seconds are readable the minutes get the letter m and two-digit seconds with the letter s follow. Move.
11h38m52s
